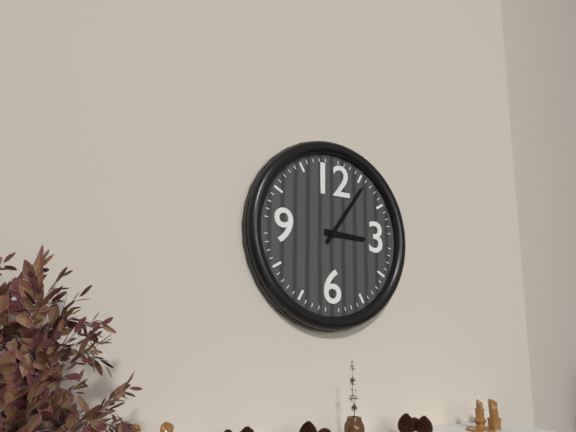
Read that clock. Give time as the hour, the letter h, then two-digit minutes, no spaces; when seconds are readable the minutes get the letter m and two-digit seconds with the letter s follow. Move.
3h06
